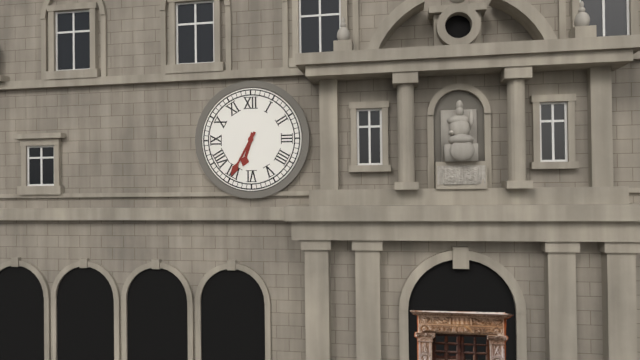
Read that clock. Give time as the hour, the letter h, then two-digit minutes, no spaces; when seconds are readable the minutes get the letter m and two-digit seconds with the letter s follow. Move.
6h35
